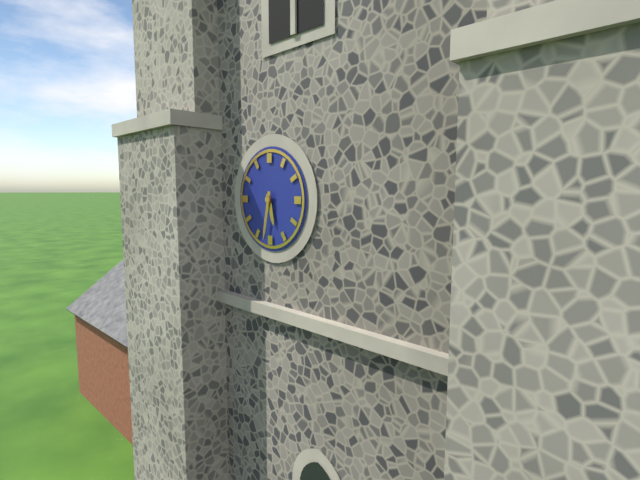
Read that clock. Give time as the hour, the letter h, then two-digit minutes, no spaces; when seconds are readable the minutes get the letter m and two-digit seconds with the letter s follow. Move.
5h32
